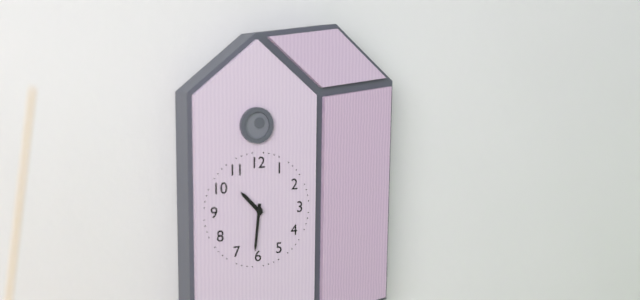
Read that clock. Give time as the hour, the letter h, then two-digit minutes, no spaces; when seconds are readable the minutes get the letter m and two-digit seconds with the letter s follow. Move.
10h31
